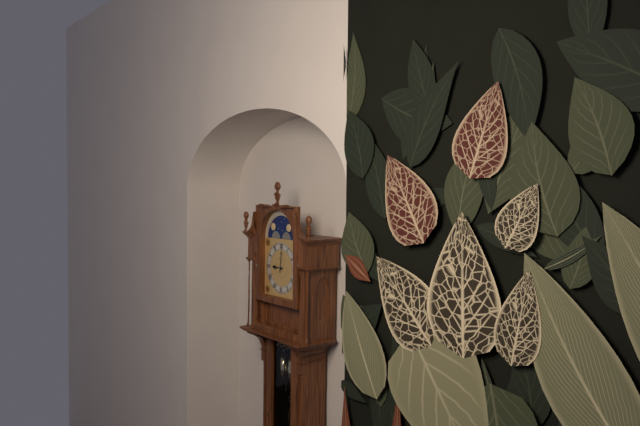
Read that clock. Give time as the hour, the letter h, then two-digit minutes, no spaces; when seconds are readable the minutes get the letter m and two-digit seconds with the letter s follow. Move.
9h01
